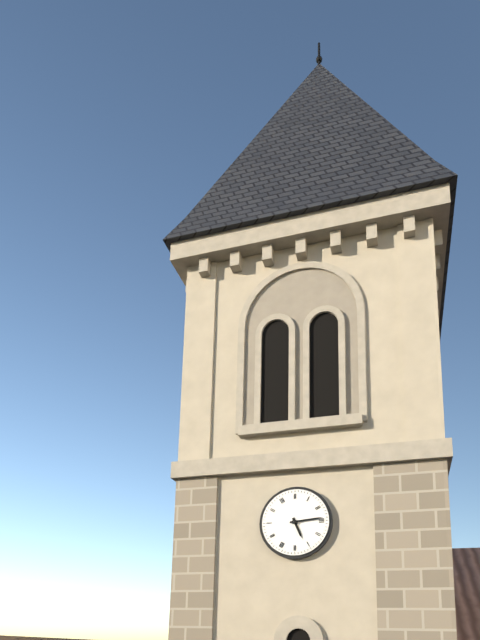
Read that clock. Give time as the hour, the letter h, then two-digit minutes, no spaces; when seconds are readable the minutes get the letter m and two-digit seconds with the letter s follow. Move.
5h14
